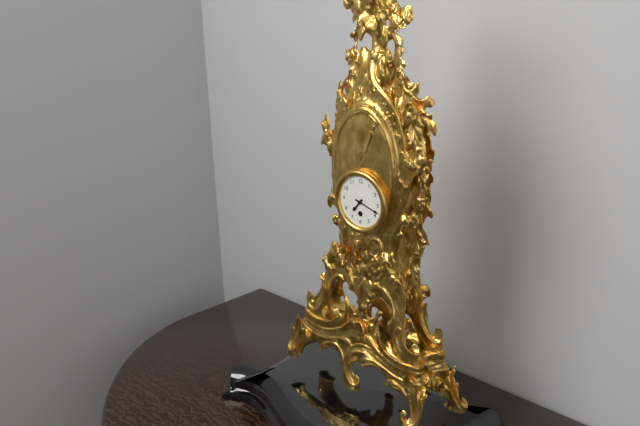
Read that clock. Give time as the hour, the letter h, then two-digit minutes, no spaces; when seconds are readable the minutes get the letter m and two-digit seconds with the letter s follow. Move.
7h18
